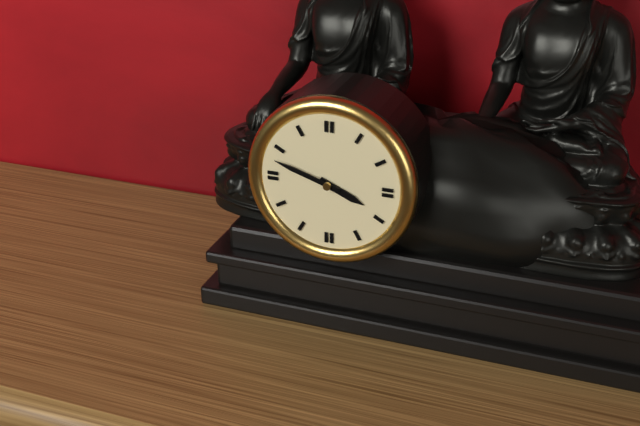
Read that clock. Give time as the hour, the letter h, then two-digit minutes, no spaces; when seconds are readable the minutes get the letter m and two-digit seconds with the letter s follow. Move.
3h48
